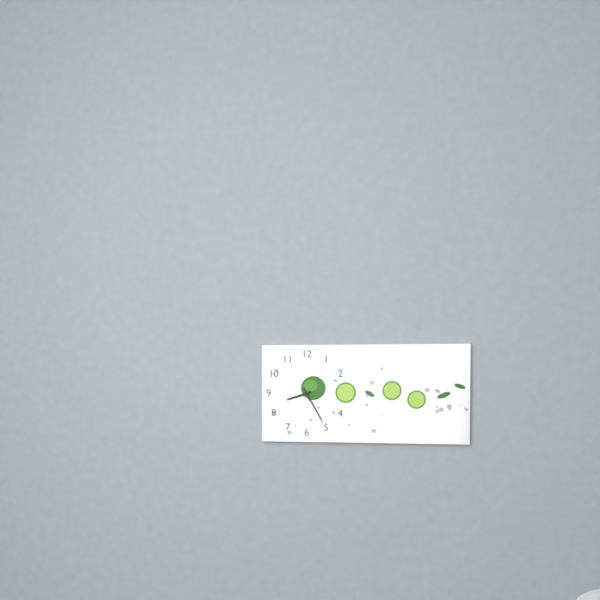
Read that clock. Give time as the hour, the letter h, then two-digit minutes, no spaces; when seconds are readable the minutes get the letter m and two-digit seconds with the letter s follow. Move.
8h25
